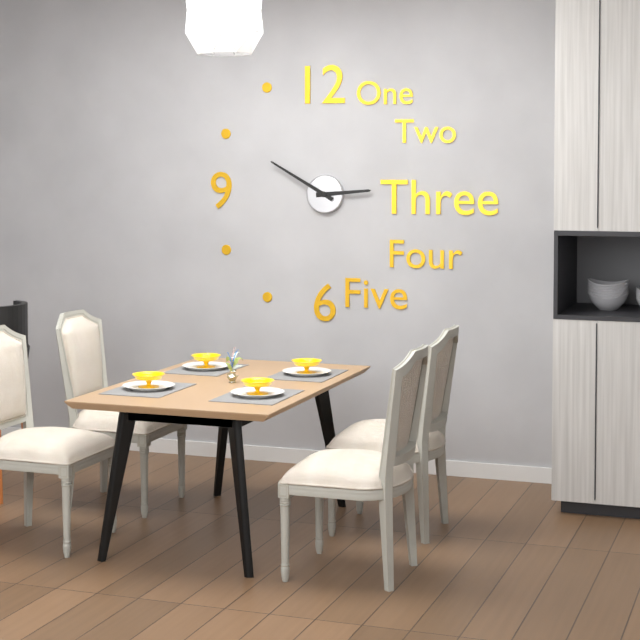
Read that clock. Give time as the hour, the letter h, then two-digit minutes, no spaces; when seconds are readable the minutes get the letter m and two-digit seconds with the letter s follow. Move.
2h50
